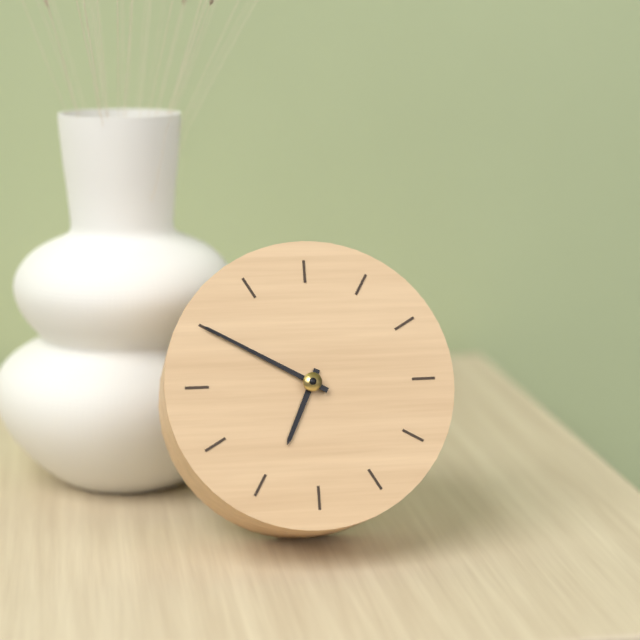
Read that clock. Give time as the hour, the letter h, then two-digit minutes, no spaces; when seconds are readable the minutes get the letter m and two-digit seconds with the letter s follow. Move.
6h50
